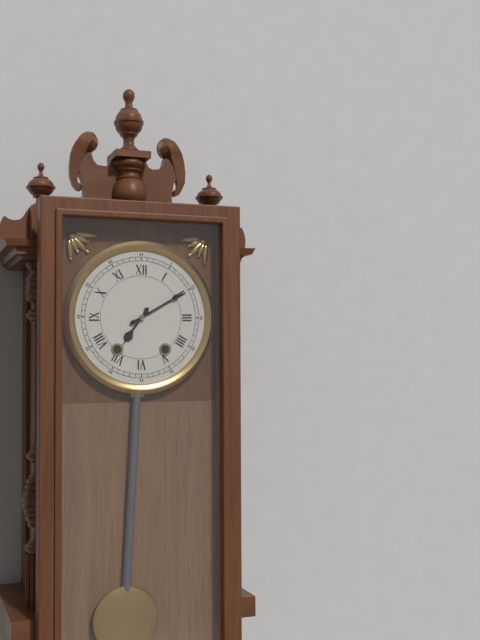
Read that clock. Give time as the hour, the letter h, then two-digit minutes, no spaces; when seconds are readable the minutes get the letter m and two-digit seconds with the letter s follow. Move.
7h10
